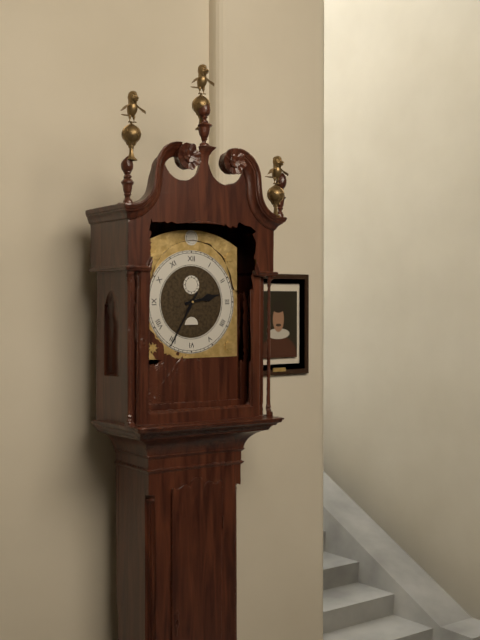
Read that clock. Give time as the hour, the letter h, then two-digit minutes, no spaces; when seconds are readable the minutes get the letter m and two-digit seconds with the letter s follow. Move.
2h35
